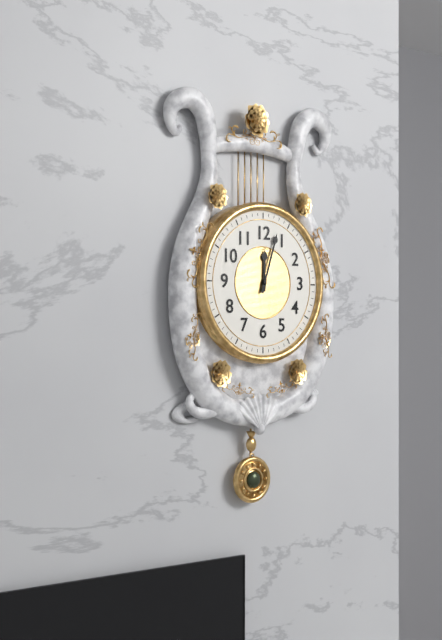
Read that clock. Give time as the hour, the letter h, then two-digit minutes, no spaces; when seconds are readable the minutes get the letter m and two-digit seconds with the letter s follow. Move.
12h03
